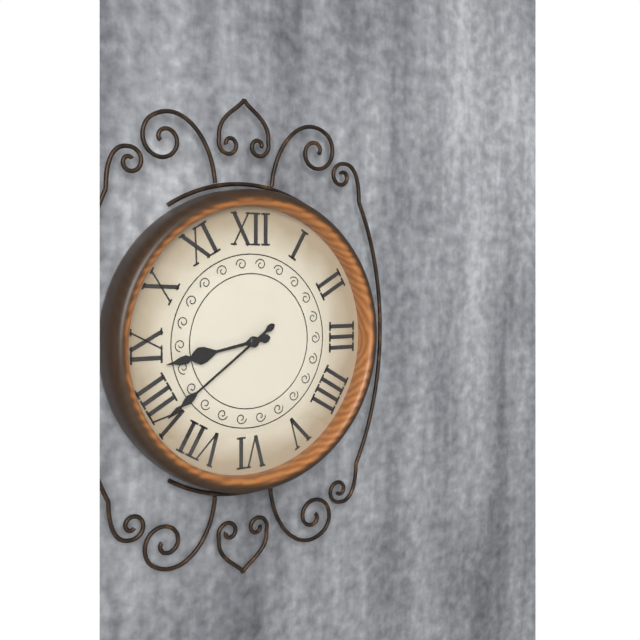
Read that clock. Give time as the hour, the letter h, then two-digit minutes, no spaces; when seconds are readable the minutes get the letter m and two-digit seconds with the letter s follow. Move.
8h39
